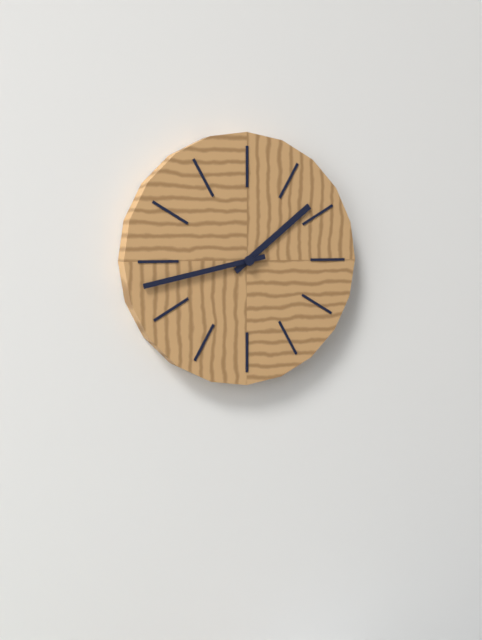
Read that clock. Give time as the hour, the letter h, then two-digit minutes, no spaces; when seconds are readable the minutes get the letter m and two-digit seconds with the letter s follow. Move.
1h43
